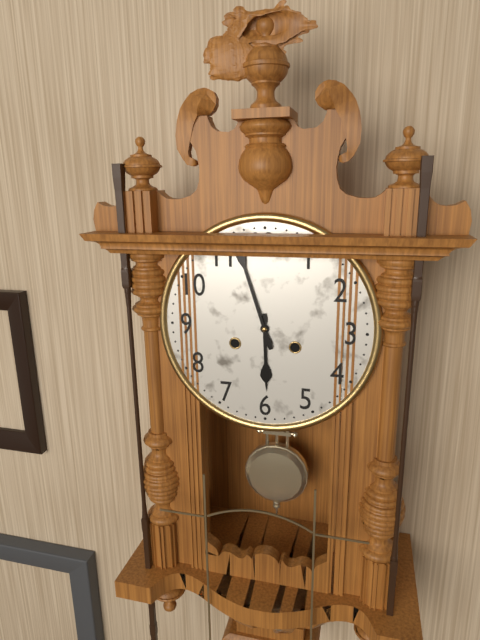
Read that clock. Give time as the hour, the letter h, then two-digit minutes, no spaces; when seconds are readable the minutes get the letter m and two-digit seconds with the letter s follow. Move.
5h57
